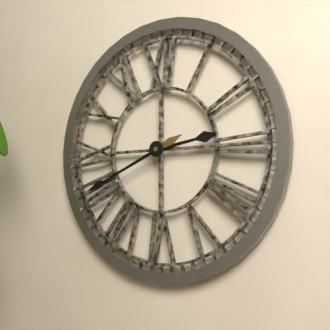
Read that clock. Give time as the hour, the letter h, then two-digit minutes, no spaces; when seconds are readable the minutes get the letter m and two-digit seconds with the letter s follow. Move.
2h41
